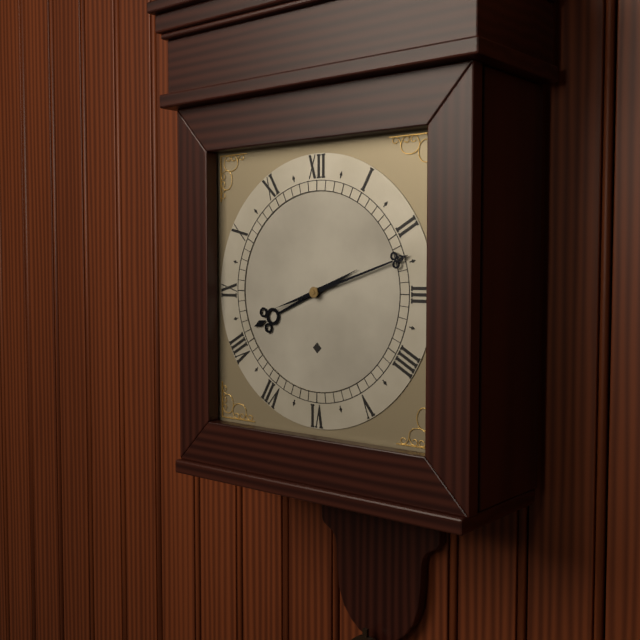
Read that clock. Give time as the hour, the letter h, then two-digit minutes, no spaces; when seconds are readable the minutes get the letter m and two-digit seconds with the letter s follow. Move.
8h12
